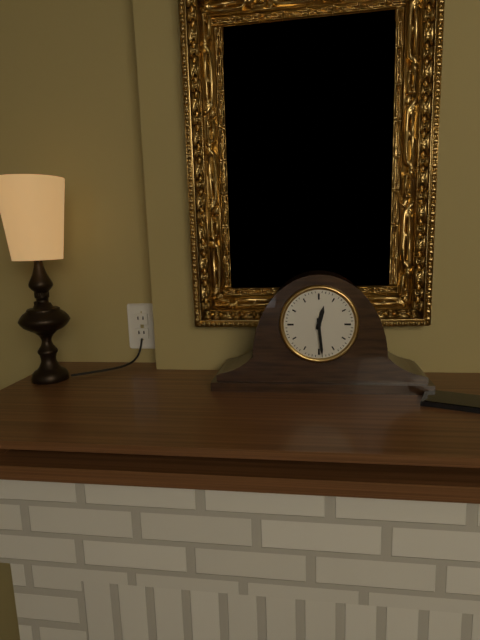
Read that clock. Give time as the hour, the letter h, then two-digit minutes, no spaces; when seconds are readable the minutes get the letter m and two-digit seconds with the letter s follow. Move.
12h29
